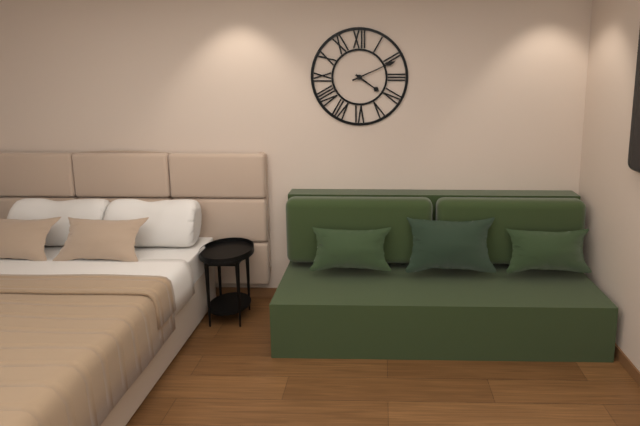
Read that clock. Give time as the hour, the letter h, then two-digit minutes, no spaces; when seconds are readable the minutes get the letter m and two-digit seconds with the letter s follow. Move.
4h11
